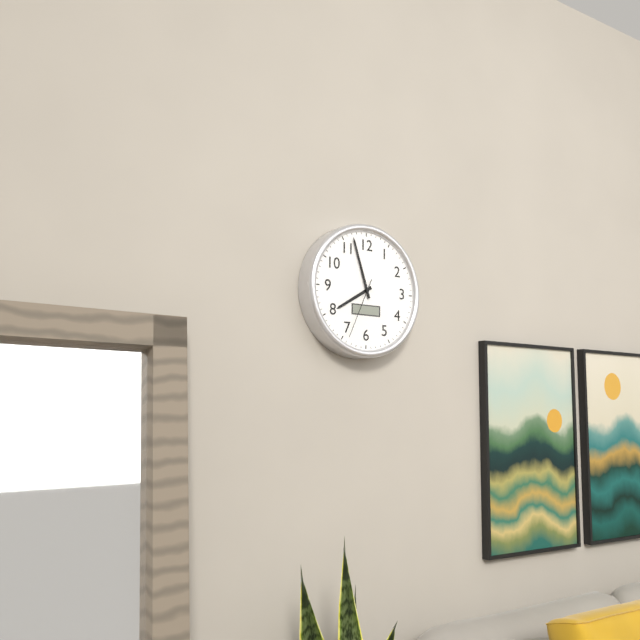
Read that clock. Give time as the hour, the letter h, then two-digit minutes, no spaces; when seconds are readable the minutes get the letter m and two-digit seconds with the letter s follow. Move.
7h57m34s
